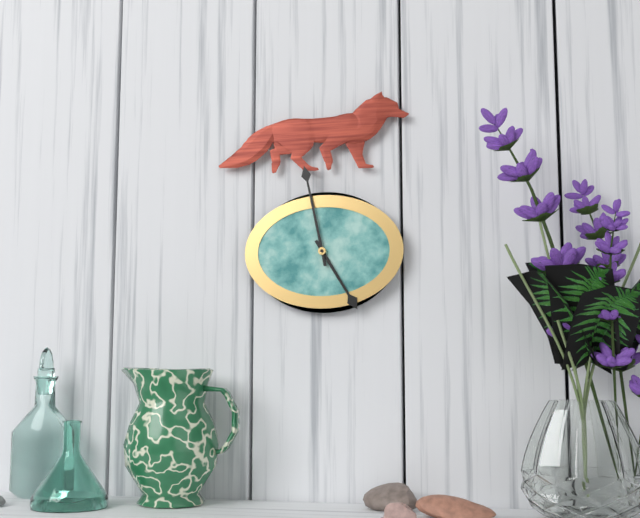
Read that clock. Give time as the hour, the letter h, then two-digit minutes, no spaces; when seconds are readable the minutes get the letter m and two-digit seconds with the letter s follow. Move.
4h58
